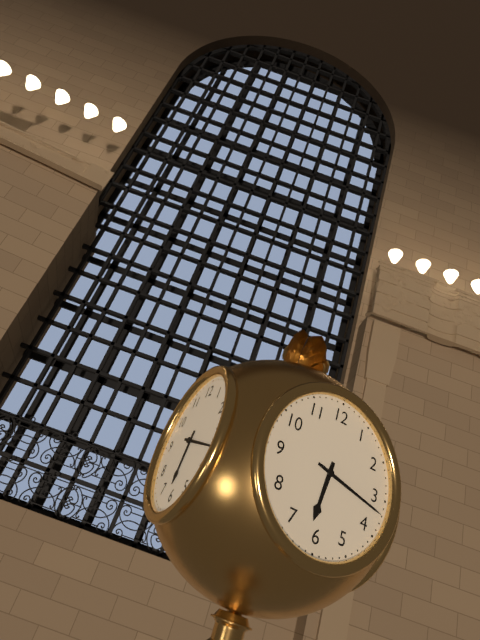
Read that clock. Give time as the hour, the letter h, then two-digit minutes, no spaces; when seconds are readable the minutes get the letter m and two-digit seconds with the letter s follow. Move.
6h17
